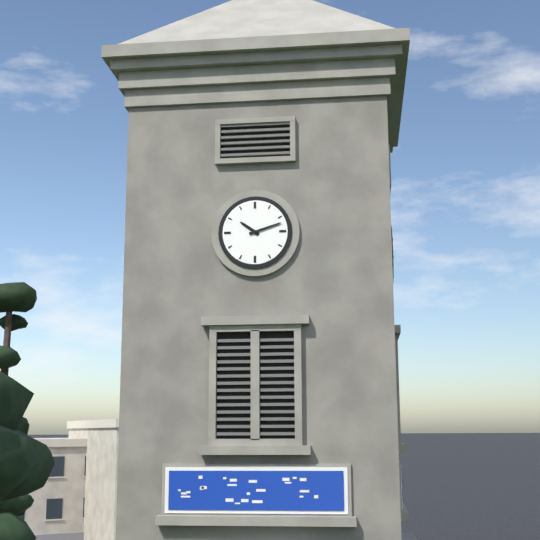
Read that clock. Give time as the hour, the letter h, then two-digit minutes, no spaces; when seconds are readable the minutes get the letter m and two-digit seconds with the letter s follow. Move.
10h12
